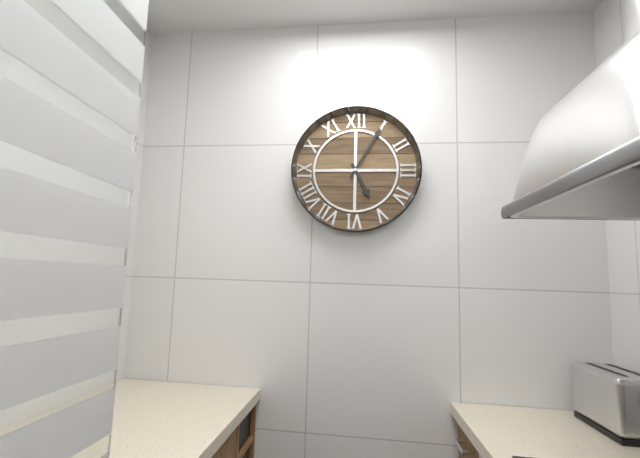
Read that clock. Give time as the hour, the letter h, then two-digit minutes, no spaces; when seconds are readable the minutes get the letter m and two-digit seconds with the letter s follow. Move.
5h05
